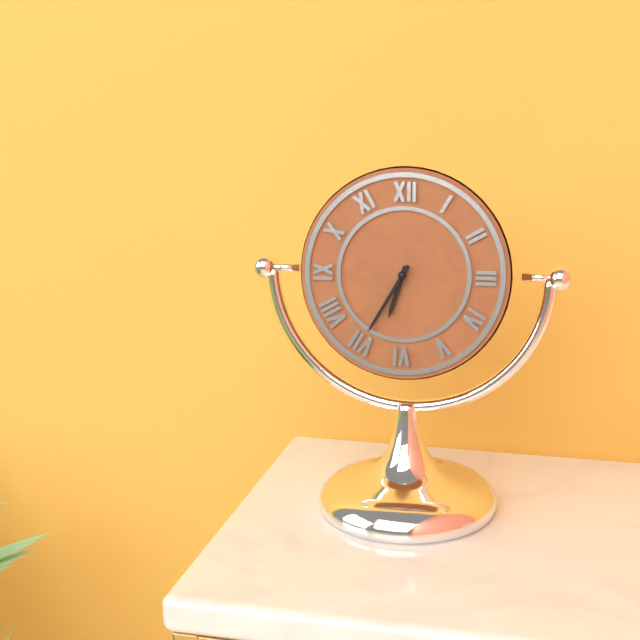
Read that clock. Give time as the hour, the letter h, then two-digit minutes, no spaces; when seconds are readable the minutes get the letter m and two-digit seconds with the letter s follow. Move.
6h35
